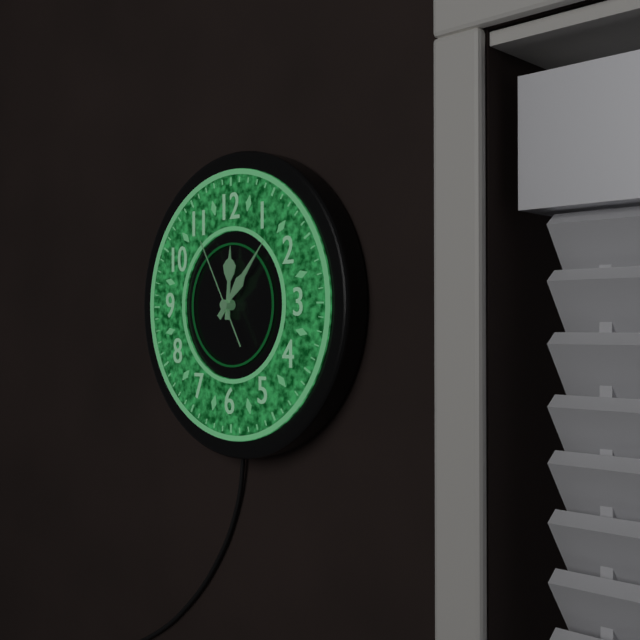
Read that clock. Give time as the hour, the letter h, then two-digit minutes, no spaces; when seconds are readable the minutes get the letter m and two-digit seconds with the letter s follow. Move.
12h07m55s
